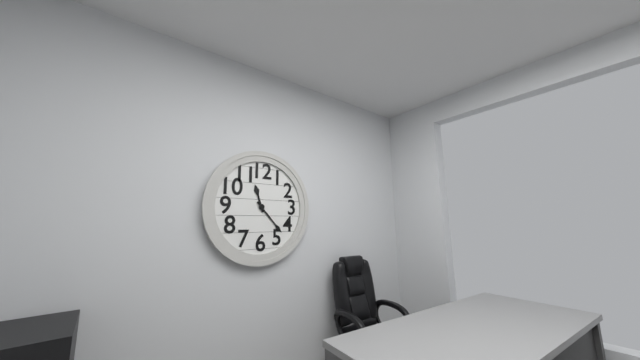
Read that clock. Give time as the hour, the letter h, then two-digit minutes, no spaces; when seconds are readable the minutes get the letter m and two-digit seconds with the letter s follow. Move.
11h23
